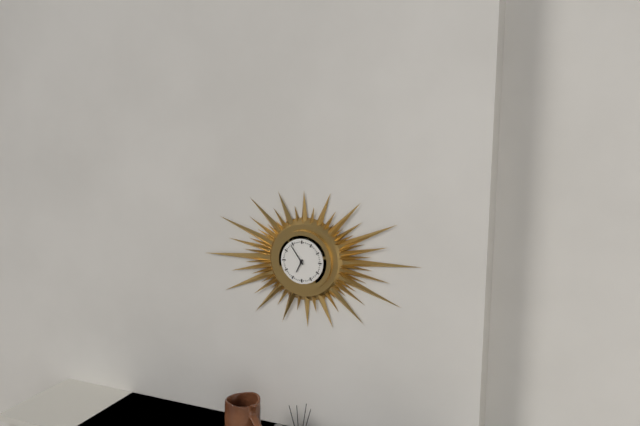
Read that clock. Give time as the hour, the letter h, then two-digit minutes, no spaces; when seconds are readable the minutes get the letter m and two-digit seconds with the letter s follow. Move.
6h54
